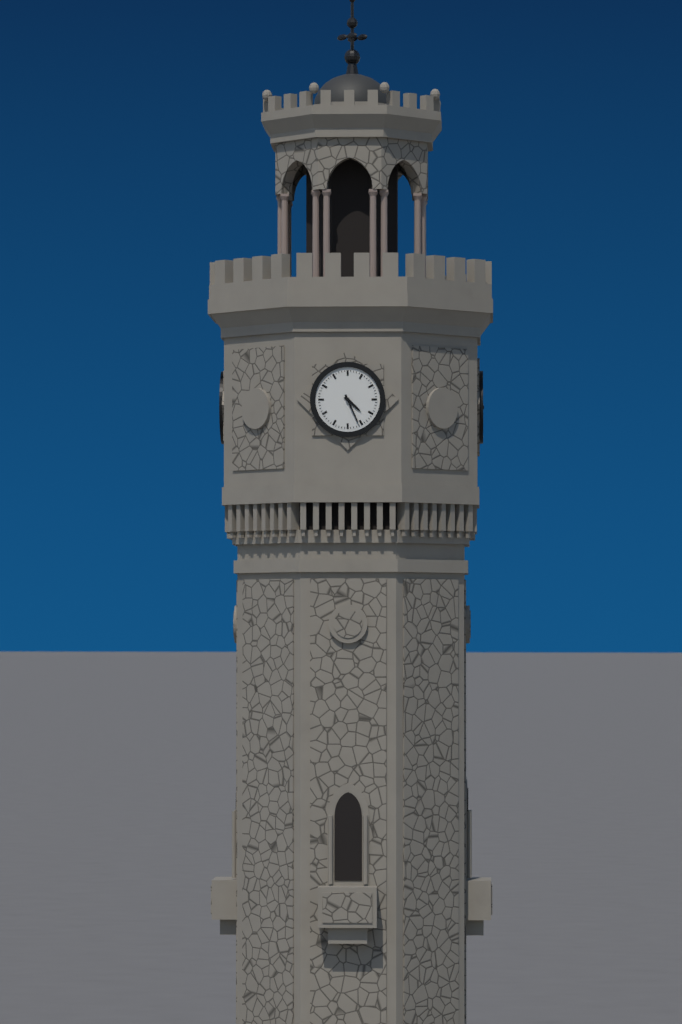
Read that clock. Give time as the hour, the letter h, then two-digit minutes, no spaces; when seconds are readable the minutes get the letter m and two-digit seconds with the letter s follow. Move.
4h26
